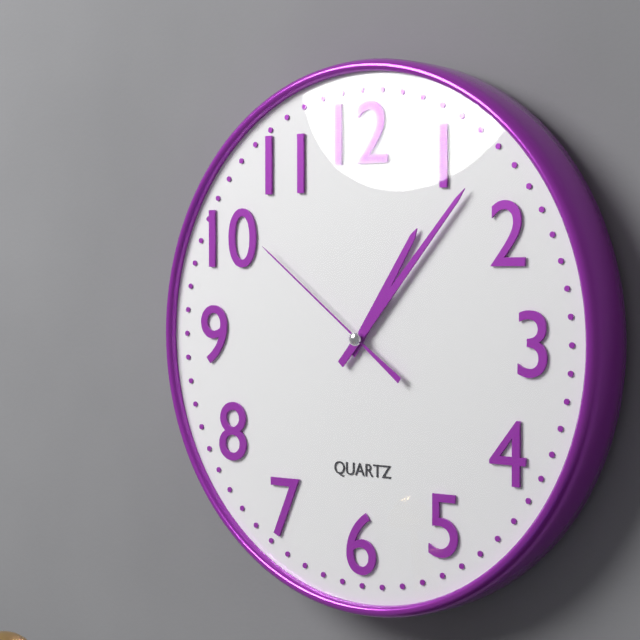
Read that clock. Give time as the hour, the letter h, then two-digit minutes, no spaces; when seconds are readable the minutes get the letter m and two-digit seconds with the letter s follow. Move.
1h07m51s
